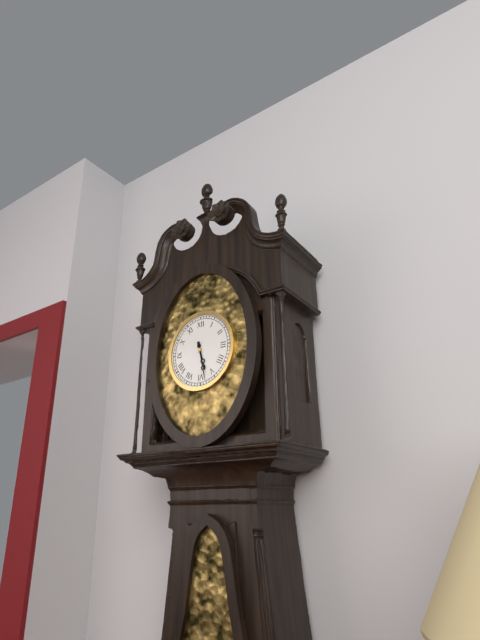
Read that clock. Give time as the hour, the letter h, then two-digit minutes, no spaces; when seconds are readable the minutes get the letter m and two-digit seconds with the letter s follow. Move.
5h28
